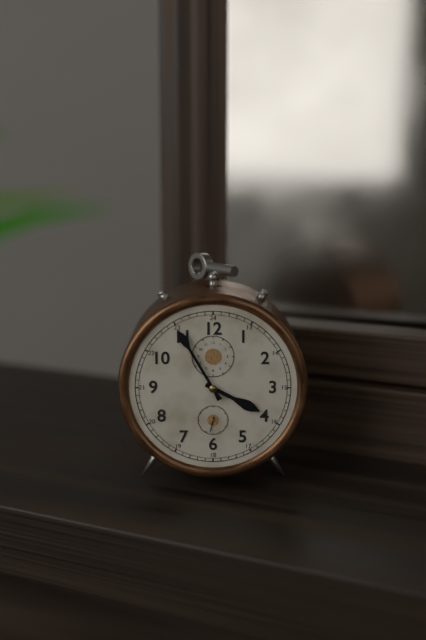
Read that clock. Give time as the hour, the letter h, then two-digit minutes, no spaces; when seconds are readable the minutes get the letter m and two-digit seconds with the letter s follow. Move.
3h55
